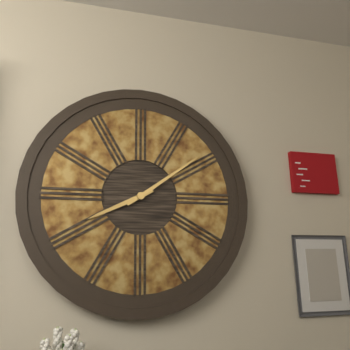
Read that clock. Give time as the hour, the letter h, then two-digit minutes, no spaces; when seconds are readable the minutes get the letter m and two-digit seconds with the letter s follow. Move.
8h09
